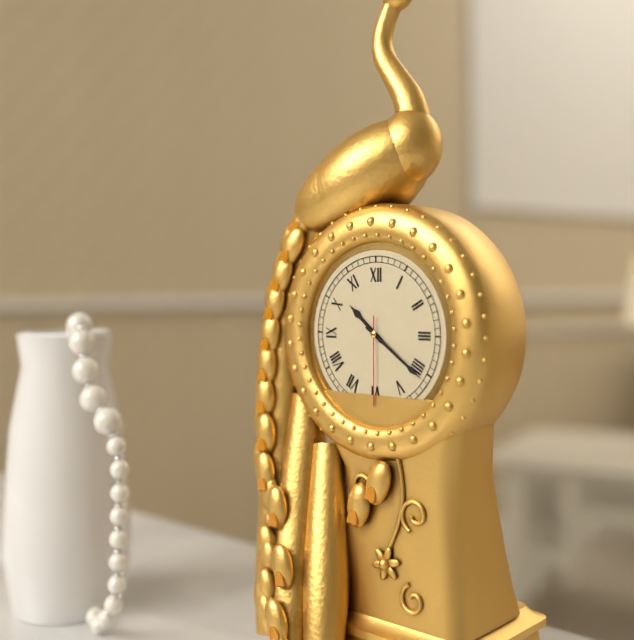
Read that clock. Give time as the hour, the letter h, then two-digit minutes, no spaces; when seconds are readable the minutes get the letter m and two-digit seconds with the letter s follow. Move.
10h21m30s
